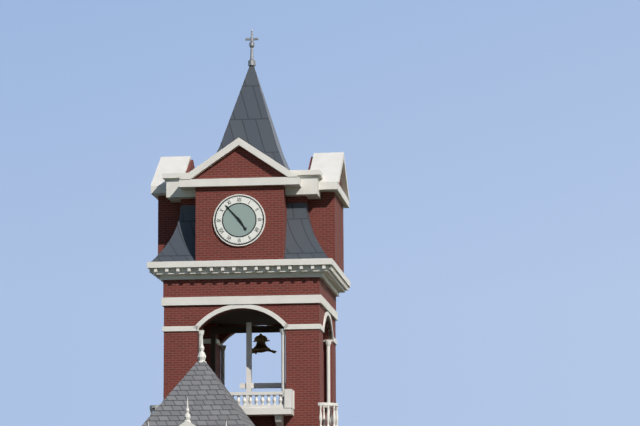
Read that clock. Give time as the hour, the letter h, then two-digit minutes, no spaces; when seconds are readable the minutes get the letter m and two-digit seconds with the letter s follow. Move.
4h53
